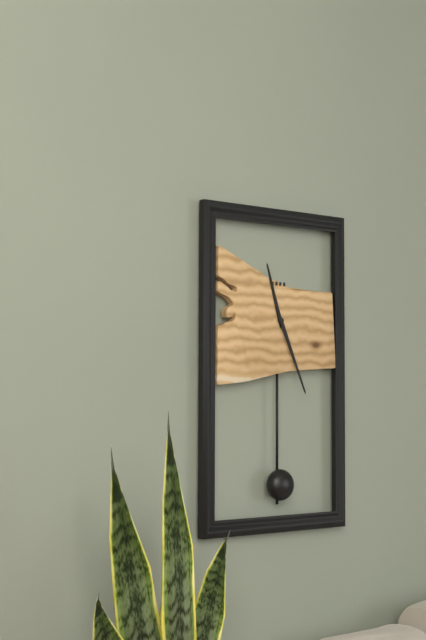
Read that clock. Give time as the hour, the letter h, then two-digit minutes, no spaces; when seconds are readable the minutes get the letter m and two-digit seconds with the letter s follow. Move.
11h26
